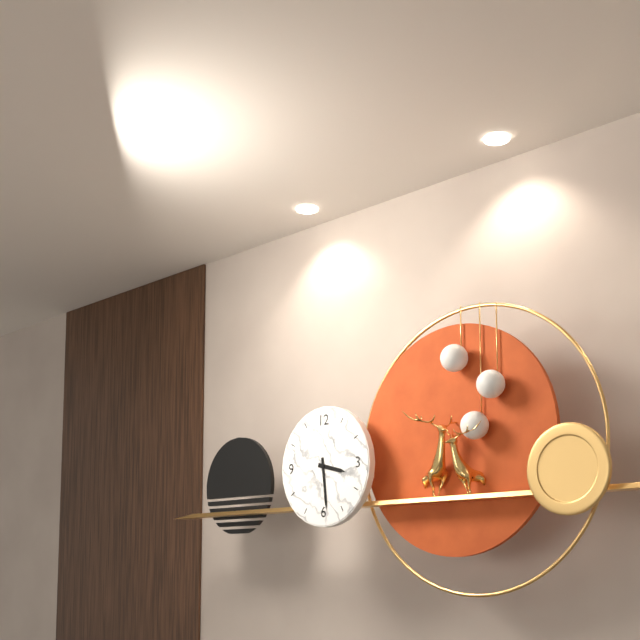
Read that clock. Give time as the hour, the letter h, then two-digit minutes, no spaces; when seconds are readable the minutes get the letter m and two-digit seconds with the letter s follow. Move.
3h29
